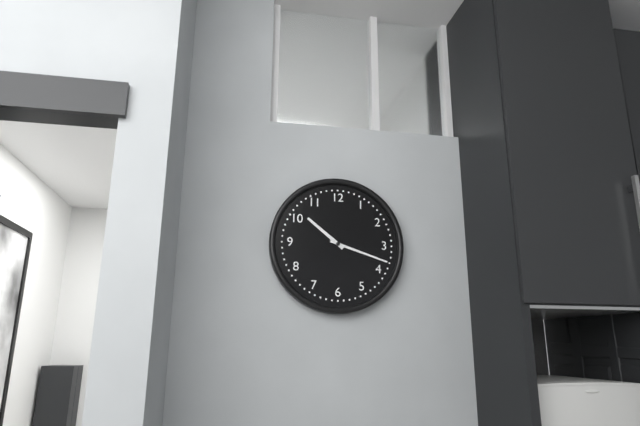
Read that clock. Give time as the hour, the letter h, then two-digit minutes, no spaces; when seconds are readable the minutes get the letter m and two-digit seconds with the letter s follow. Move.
10h18
